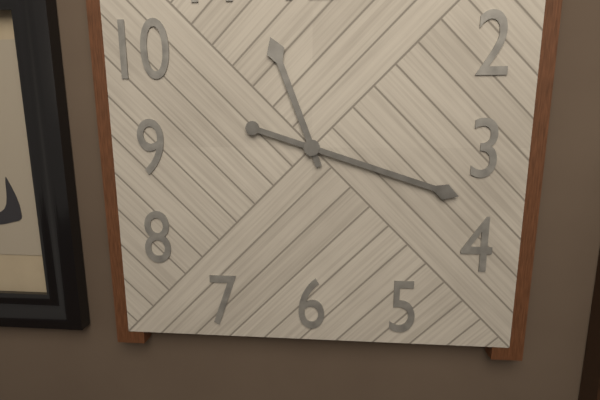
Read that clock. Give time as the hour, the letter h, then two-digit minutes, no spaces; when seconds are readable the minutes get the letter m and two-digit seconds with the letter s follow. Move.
11h18
